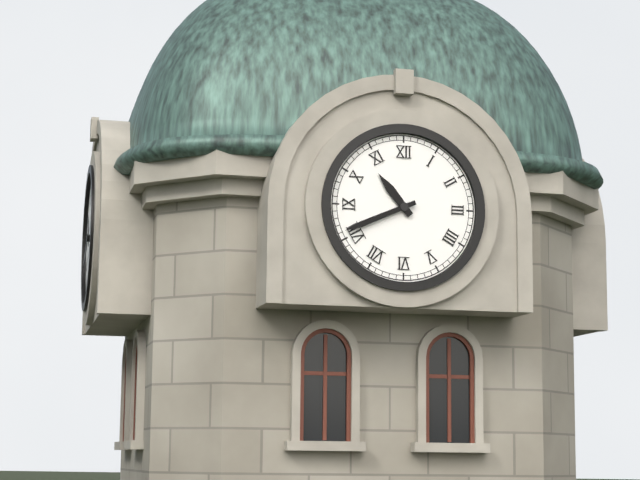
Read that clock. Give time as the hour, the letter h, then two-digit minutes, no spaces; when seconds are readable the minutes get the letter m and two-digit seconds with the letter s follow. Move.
10h41
